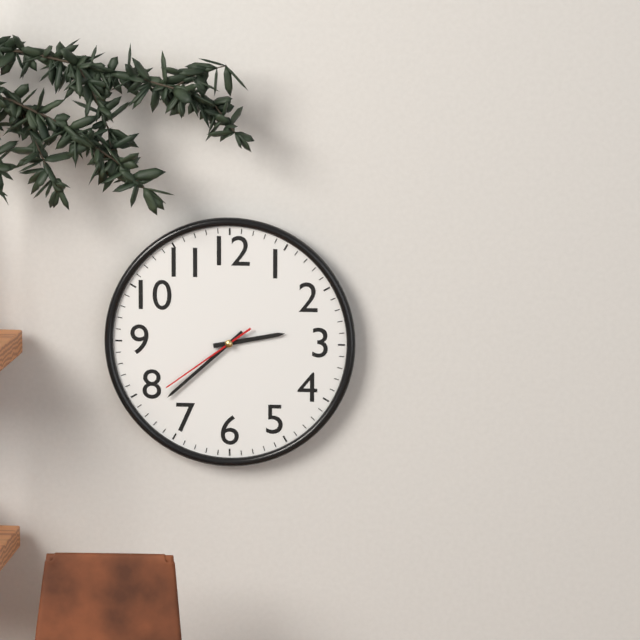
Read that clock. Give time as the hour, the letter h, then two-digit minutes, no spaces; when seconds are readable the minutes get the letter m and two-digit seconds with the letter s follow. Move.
2h38m39s
